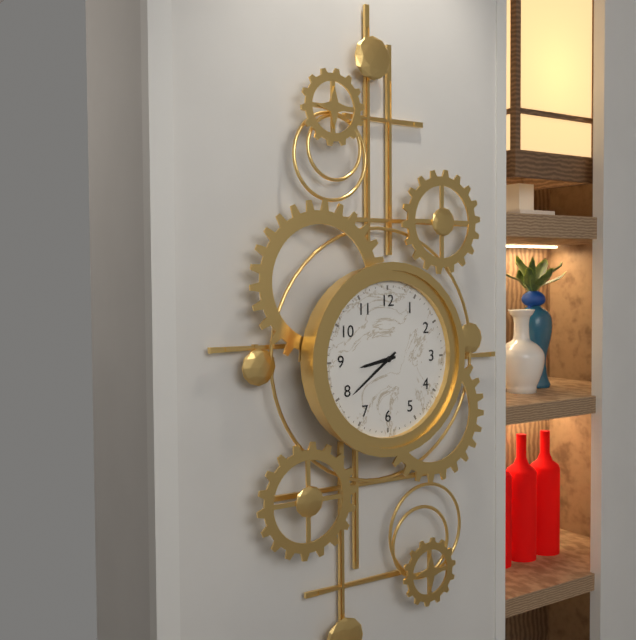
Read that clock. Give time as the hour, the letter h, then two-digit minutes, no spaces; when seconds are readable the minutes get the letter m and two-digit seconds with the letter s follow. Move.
8h39
